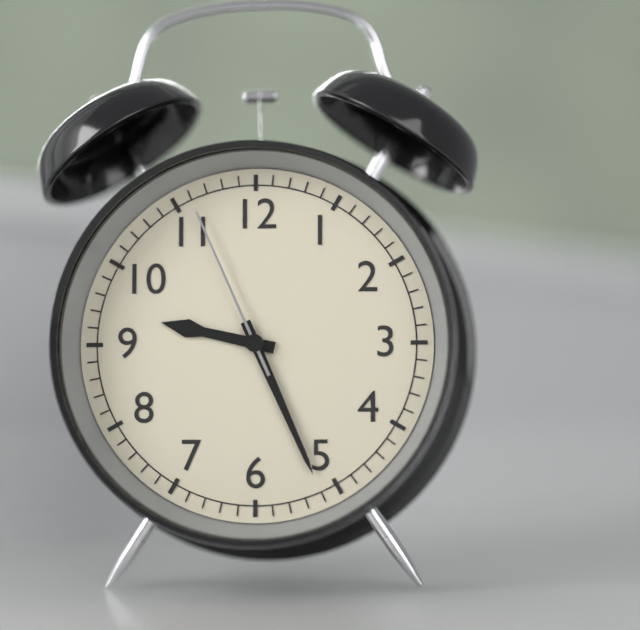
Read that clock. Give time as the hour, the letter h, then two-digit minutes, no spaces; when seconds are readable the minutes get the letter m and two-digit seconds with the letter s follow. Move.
9h26m56s
